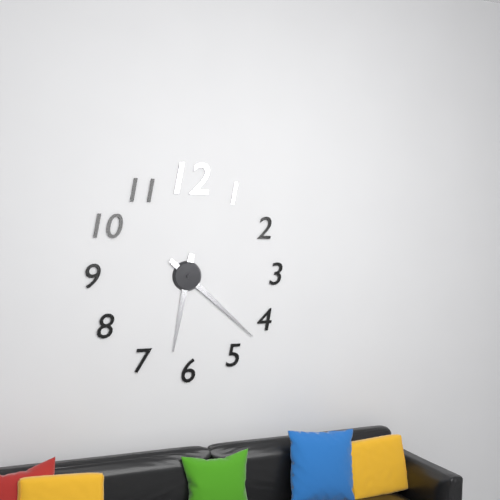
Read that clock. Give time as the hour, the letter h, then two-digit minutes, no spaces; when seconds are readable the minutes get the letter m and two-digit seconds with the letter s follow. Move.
6h22
